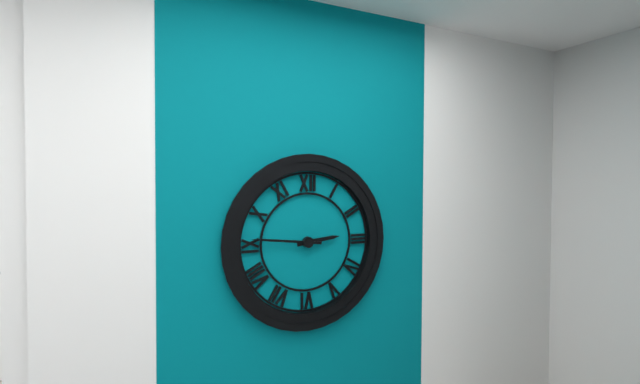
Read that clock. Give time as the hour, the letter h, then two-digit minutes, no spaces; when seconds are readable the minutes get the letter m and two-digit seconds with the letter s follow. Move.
2h46
